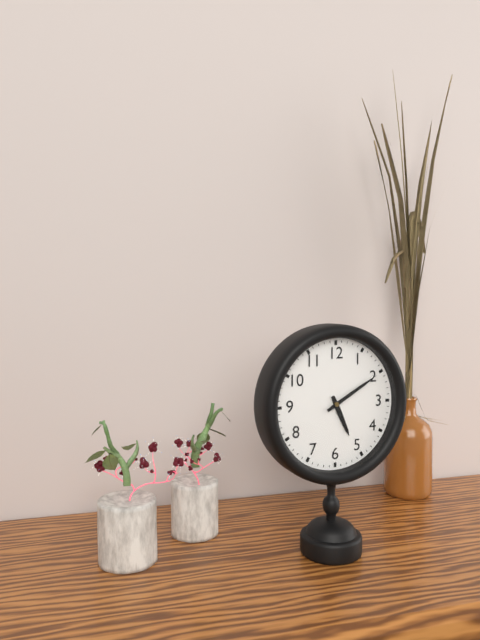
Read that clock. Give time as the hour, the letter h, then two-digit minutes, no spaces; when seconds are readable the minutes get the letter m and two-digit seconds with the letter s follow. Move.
5h10
